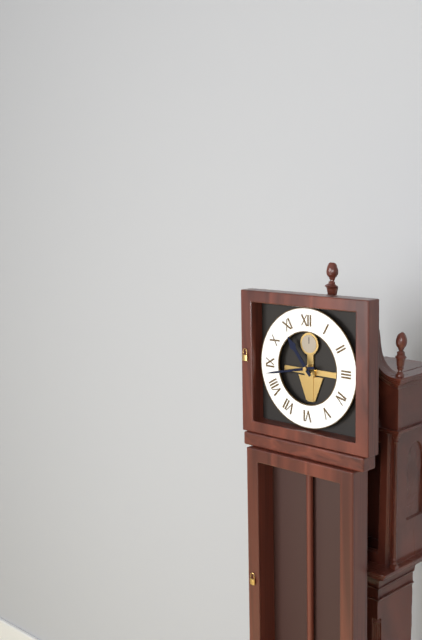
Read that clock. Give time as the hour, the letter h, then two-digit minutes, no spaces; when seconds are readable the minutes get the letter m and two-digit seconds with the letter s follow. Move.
10h43
